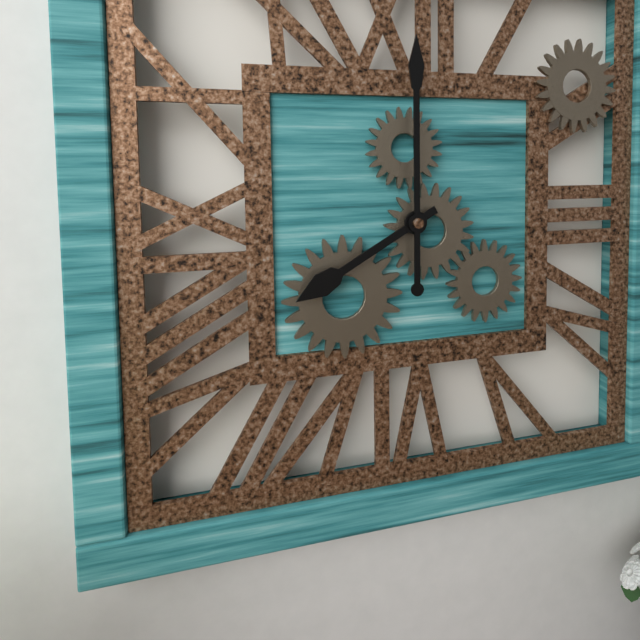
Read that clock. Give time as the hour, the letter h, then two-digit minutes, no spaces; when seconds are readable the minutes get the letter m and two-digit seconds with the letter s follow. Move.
8h00
